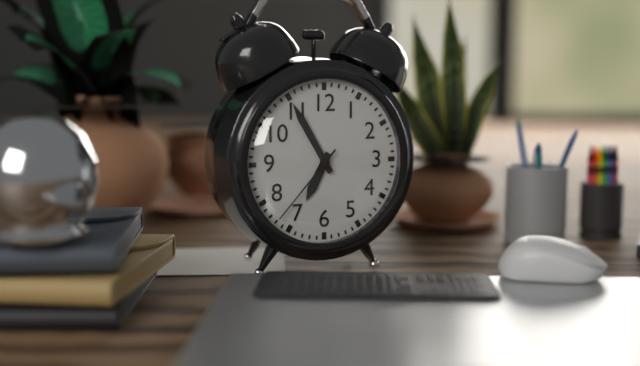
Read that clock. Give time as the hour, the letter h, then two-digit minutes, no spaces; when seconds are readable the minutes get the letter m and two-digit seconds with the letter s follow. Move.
6h55m37s
